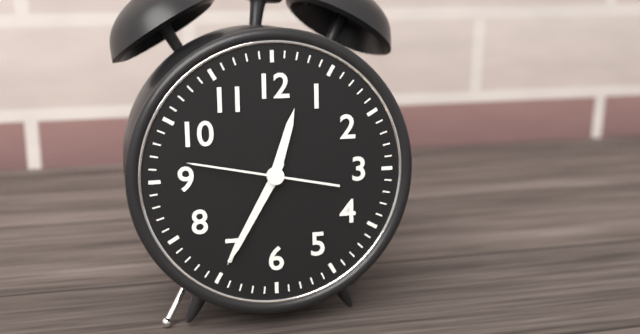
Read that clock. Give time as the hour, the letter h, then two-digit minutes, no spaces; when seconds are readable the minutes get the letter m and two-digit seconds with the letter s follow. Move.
12h35m47s
